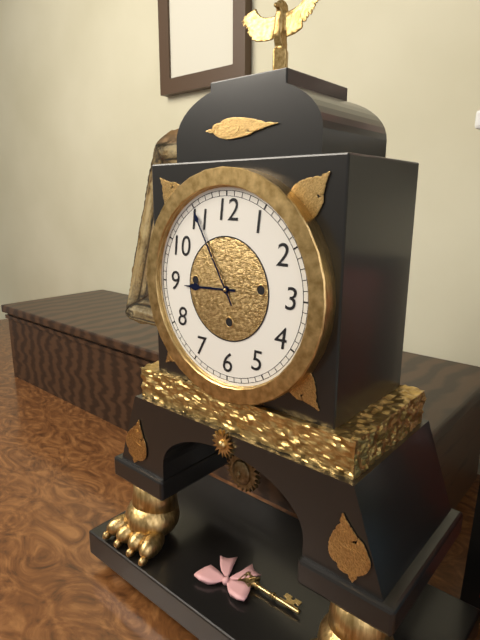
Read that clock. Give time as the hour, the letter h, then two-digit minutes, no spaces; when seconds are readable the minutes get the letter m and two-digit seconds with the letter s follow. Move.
8h55
